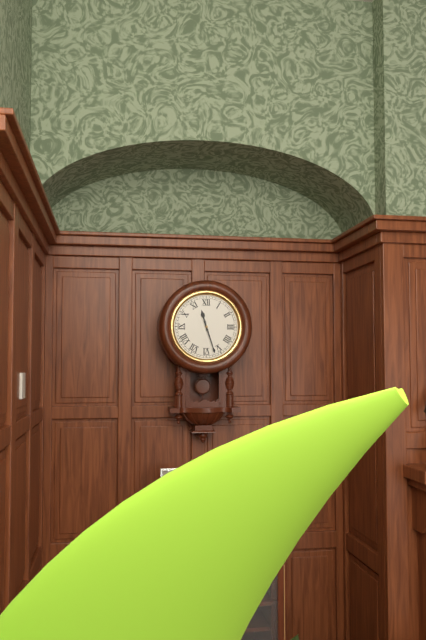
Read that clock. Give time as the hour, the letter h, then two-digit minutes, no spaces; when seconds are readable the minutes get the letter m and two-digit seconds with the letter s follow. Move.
11h27
